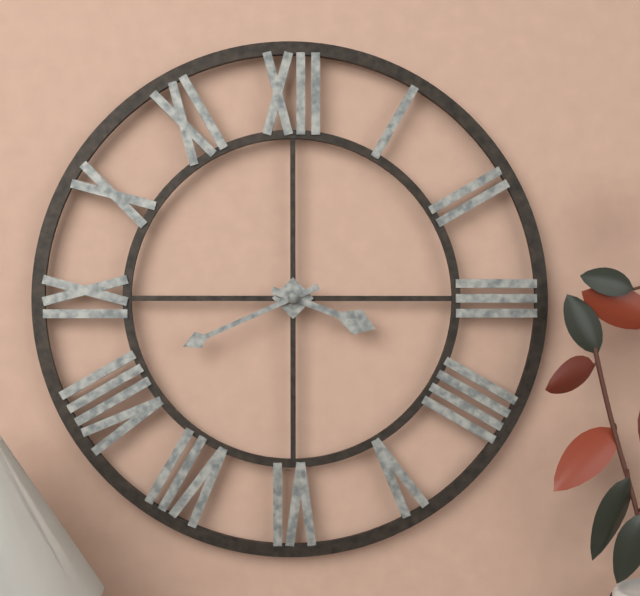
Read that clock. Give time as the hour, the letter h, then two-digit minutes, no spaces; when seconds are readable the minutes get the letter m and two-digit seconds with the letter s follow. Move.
3h41
